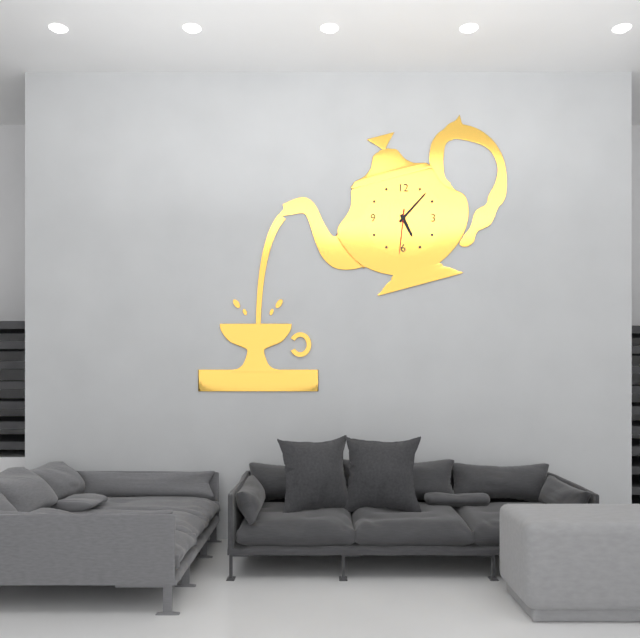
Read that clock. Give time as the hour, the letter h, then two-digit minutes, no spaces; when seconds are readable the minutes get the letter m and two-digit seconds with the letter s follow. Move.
5h07
